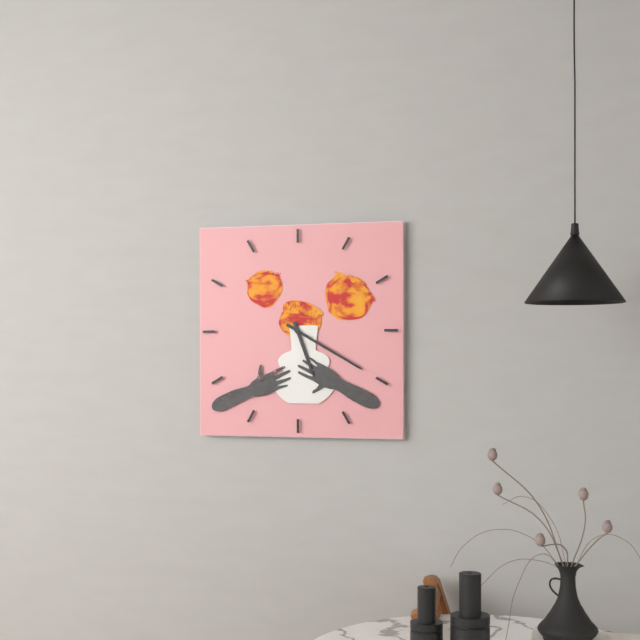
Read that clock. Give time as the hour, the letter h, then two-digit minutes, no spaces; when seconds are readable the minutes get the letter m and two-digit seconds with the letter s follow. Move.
5h20
